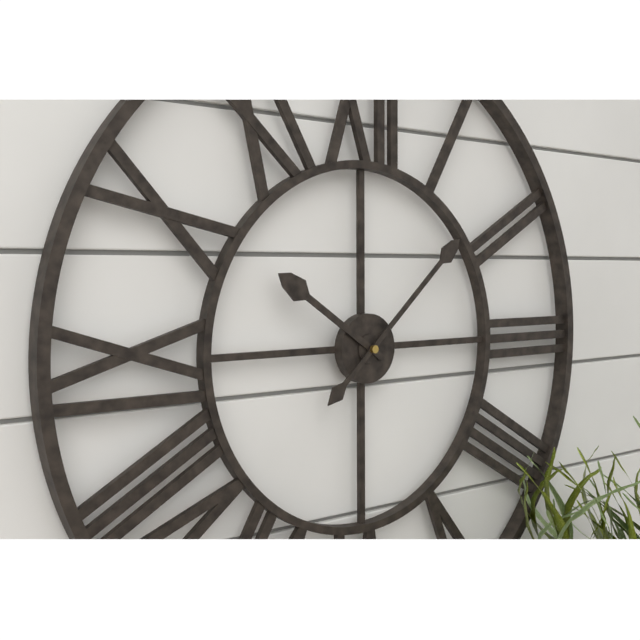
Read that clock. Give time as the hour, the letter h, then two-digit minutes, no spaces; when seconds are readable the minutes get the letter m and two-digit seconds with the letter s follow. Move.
10h08
